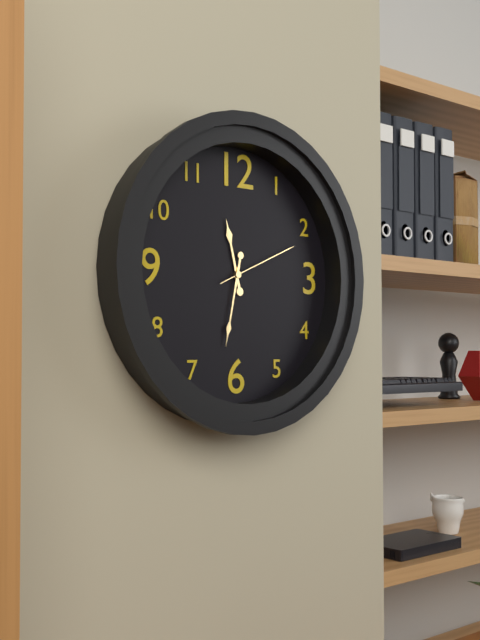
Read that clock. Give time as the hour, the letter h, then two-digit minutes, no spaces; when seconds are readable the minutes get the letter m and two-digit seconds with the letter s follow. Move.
11h32m11s
